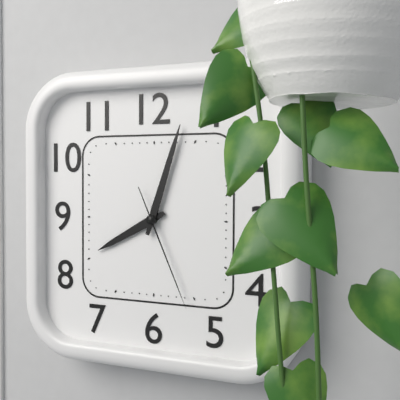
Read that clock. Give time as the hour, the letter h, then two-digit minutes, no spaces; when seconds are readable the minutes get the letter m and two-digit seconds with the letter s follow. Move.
8h03m26s
